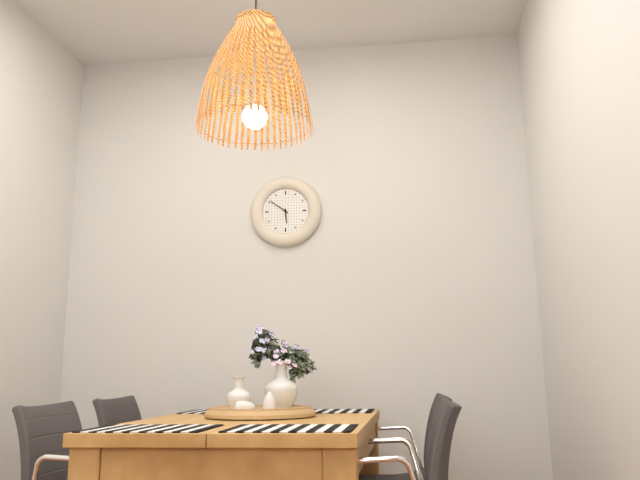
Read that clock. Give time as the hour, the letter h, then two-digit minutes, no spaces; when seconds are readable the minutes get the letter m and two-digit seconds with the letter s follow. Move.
5h51
